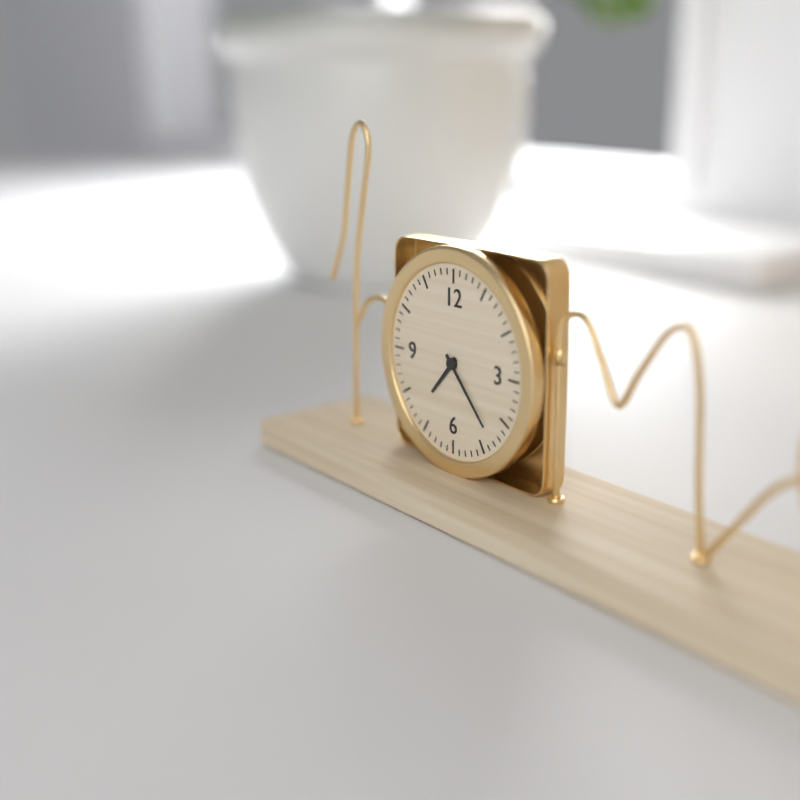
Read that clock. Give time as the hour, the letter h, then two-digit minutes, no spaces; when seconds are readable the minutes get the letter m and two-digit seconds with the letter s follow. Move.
7h23
